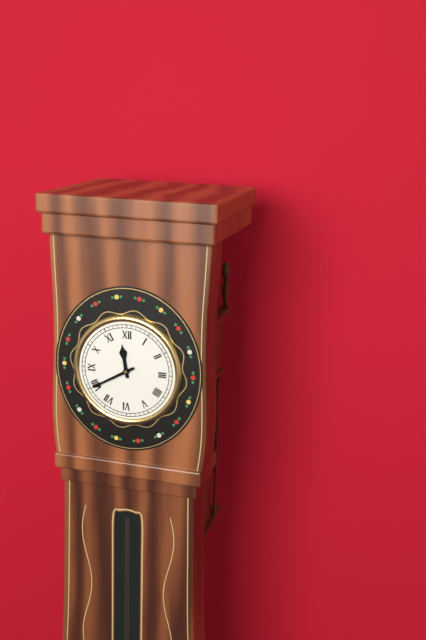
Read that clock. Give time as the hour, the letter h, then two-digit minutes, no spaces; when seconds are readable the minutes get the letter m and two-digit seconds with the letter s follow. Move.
11h40
